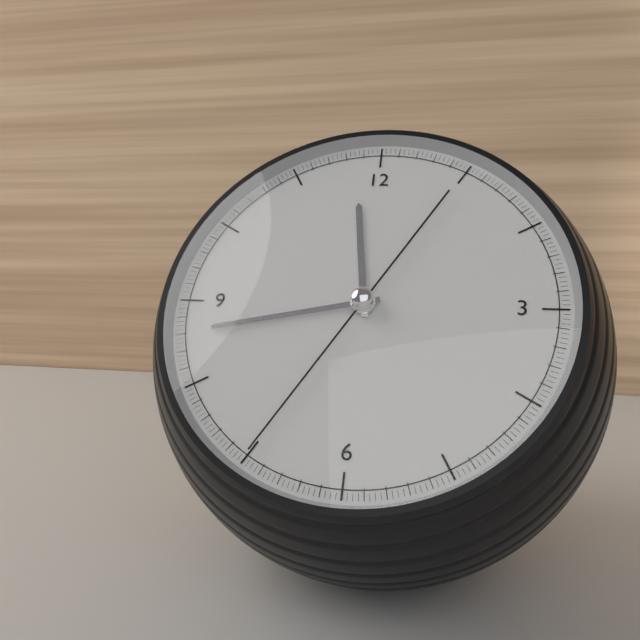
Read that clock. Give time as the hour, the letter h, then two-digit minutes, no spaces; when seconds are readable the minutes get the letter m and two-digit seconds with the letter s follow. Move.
11h43m35s
